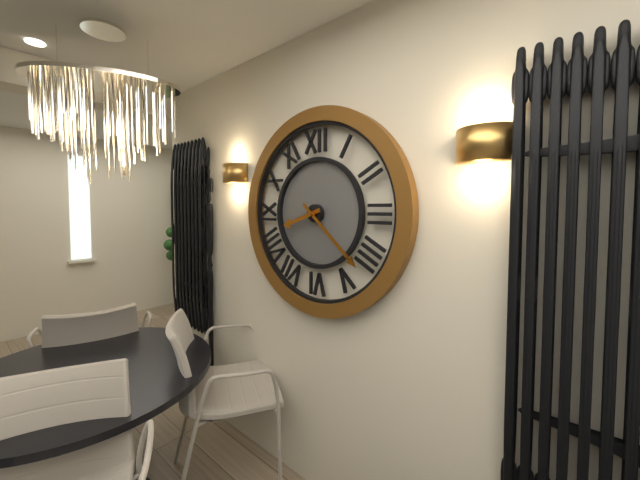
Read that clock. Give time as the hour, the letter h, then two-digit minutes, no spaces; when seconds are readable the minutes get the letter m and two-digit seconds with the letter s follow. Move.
8h22
